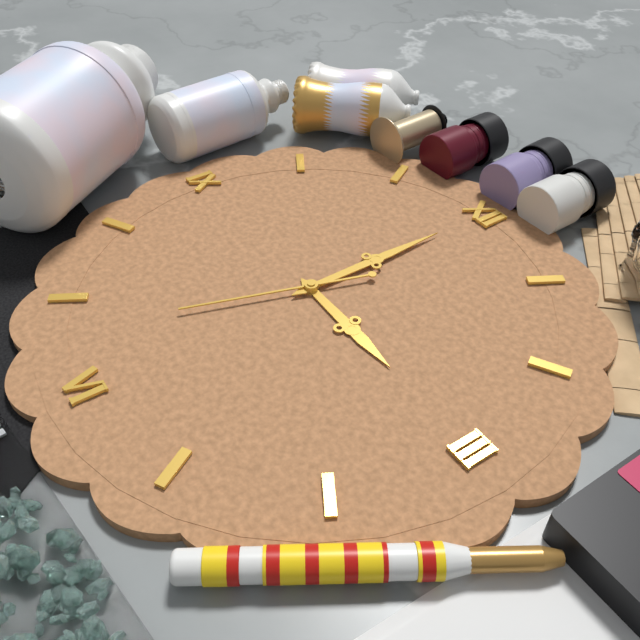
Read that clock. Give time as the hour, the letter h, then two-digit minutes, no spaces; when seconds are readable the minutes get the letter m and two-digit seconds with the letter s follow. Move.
3h00m33s
